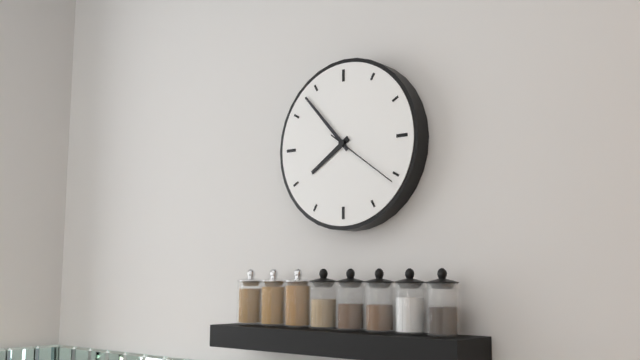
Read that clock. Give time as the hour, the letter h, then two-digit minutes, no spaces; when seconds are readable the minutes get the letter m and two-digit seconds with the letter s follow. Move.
7h53m21s
